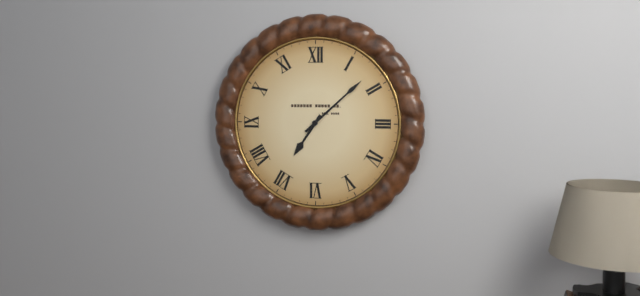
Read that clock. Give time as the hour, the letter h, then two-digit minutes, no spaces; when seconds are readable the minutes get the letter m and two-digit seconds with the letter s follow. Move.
7h08
